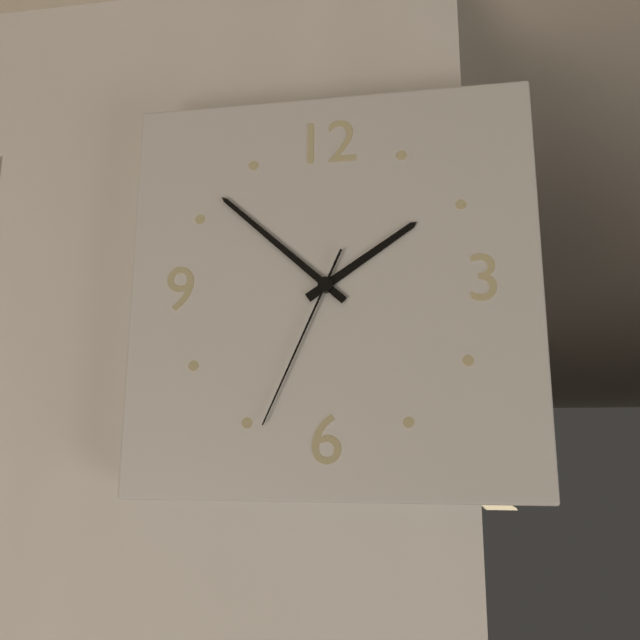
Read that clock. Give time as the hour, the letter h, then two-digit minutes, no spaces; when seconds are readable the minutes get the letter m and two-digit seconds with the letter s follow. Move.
1h52m34s
